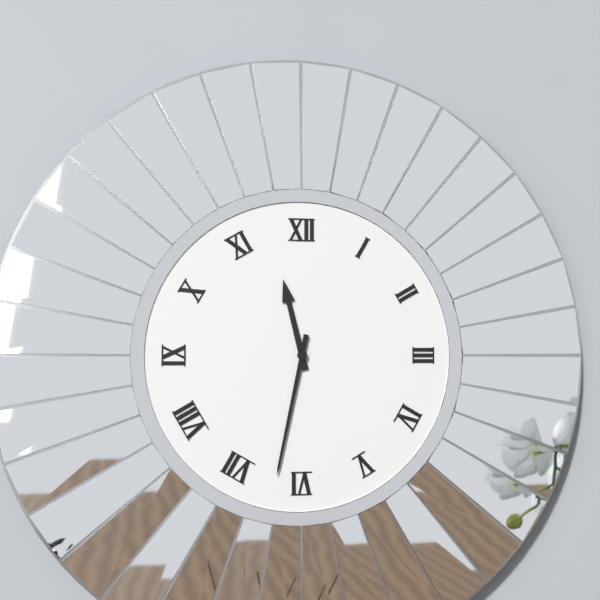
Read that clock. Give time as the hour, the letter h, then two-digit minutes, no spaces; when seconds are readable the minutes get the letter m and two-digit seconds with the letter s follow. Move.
11h32
